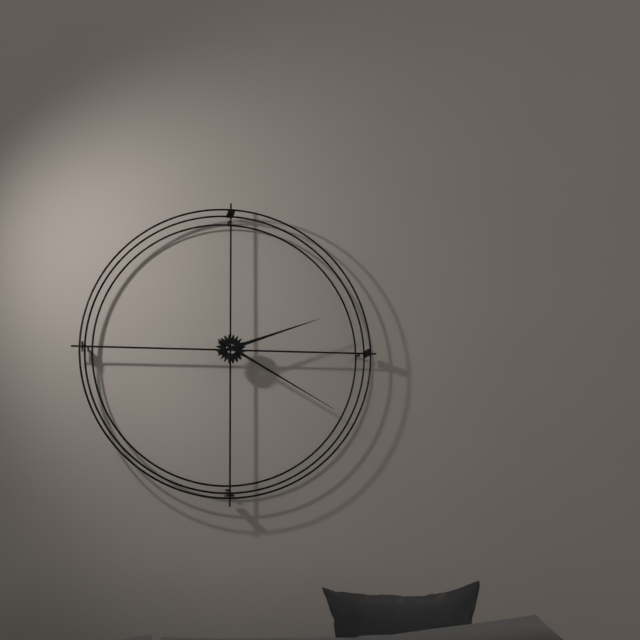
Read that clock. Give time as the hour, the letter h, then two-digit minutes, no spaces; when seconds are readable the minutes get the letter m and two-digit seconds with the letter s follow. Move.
2h20
